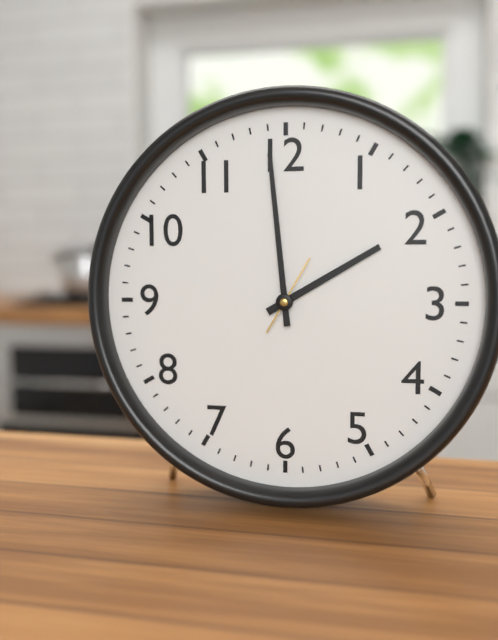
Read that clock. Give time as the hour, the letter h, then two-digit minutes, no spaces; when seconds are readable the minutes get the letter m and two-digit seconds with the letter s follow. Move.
1h59m05s
